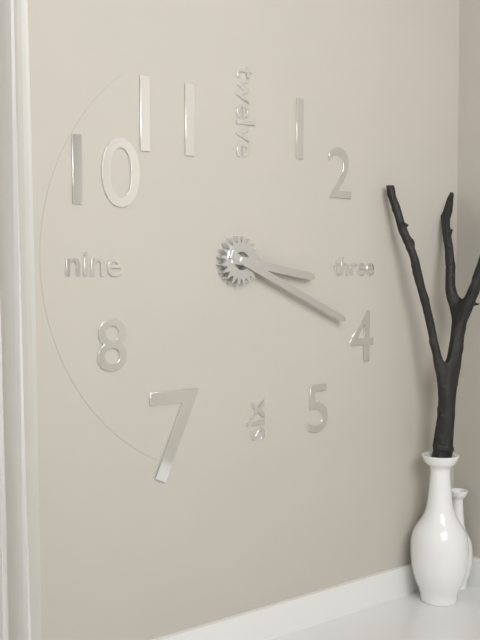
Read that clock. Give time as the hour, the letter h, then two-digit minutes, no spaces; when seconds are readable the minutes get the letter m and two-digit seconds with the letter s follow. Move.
3h19
